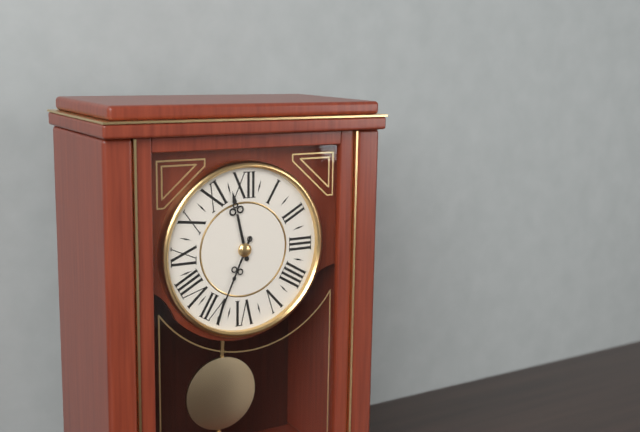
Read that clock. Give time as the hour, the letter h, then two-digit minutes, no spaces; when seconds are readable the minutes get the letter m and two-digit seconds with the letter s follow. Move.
11h34
